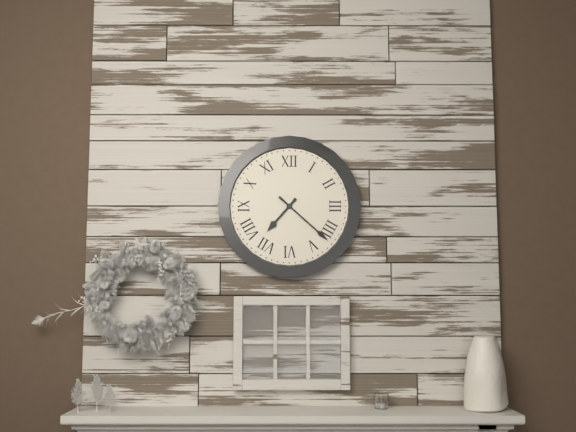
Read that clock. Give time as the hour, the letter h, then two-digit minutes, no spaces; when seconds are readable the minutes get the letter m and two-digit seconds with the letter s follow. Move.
7h22
